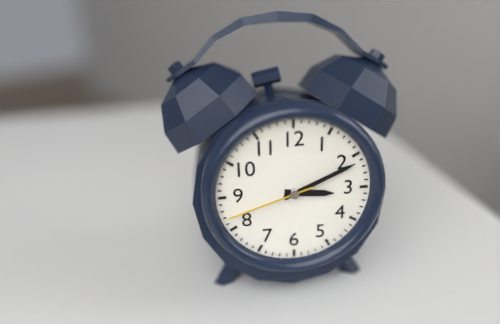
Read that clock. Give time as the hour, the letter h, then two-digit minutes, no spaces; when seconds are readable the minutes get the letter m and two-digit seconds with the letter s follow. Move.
3h11m42s
